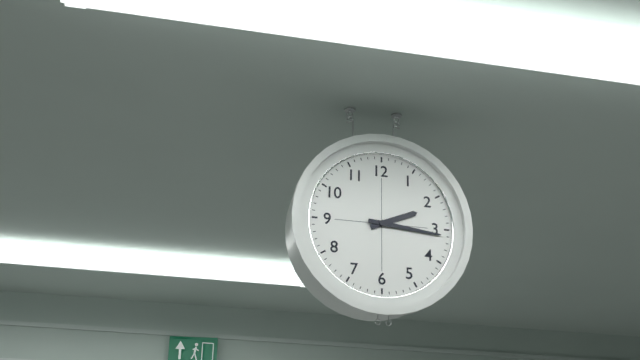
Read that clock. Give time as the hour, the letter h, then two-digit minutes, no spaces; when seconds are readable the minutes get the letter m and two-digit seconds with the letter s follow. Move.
2h16
